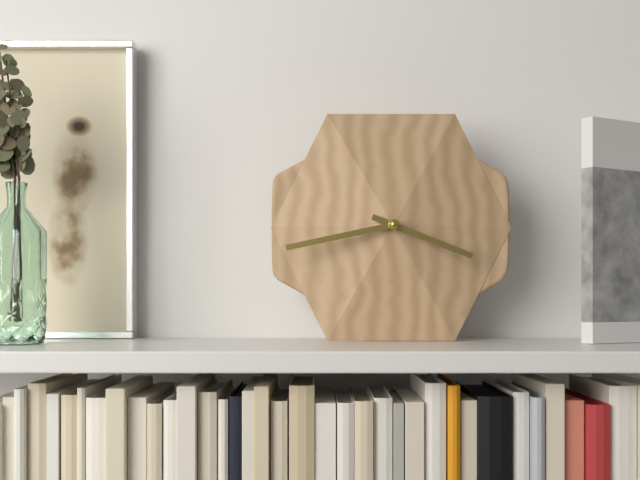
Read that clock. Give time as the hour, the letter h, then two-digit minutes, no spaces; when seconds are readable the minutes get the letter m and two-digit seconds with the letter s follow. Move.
3h43
